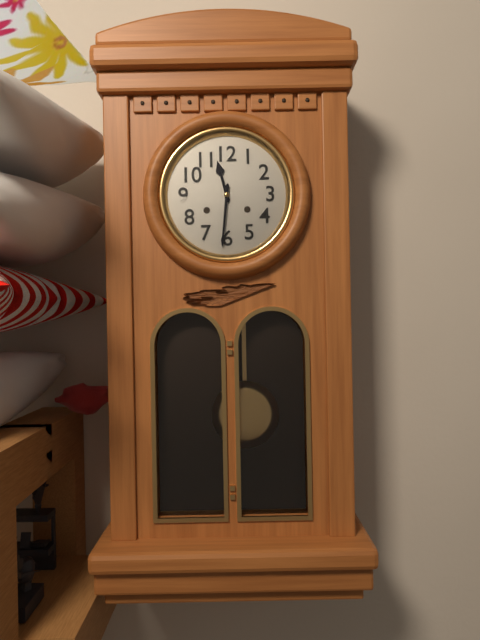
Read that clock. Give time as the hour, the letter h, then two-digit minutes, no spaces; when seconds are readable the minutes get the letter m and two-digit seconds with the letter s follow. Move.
11h31
